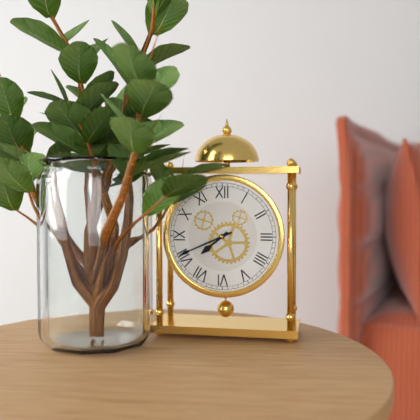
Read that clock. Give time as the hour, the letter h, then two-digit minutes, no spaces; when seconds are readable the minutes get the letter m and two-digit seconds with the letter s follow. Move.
7h41
